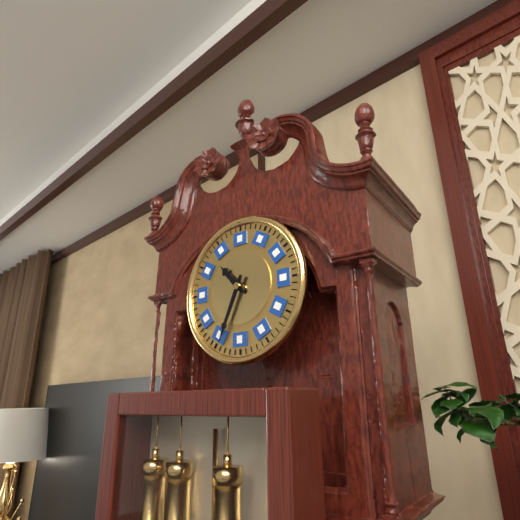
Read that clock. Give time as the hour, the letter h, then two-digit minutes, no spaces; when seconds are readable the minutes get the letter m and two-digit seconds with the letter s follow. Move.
10h34
